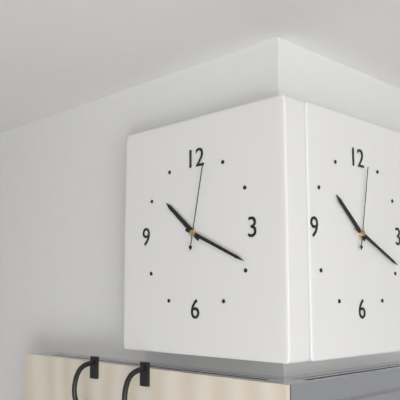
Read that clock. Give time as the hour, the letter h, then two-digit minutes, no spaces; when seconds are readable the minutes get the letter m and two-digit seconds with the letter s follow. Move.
10h19m02s
